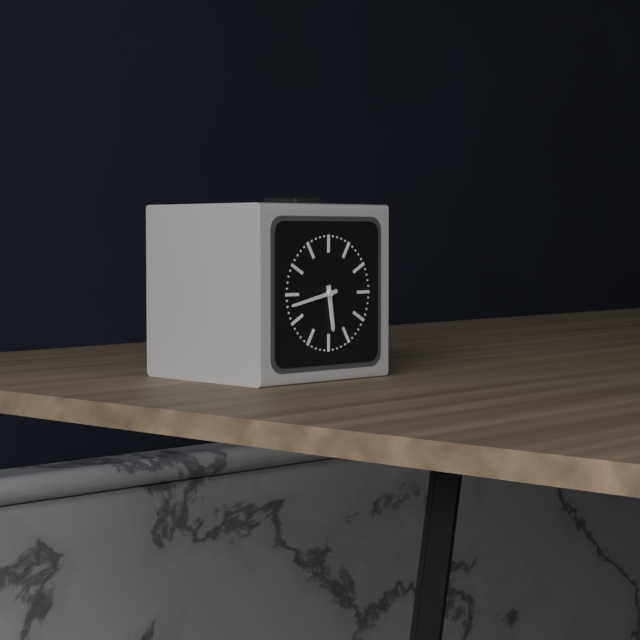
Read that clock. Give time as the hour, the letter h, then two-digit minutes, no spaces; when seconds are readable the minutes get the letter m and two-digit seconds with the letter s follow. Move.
5h43
